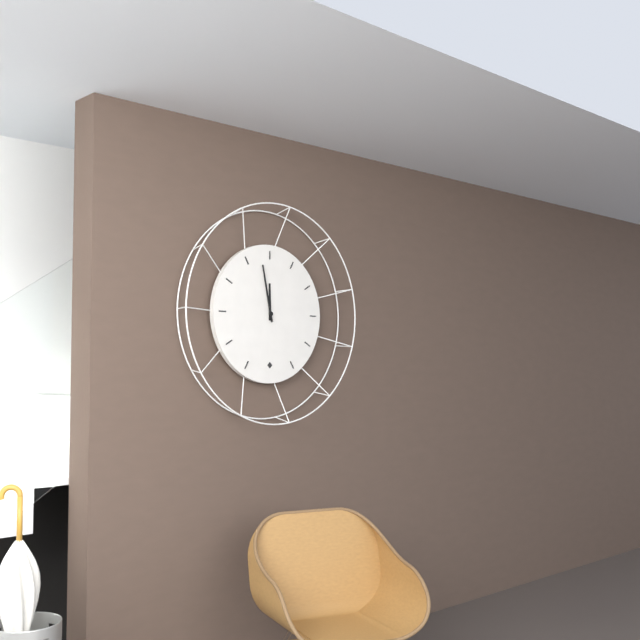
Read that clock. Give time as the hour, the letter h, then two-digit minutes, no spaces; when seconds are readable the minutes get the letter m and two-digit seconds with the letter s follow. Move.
11h58
